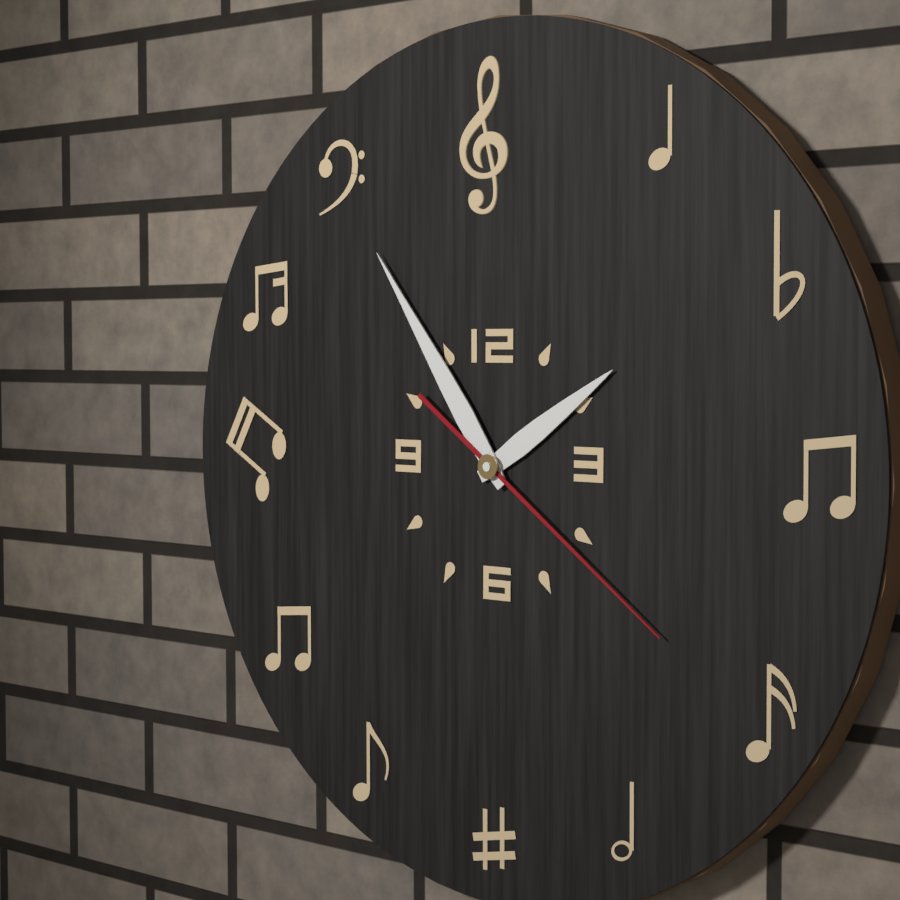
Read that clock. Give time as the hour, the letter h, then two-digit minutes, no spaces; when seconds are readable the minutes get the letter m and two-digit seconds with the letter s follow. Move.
1h54m21s
